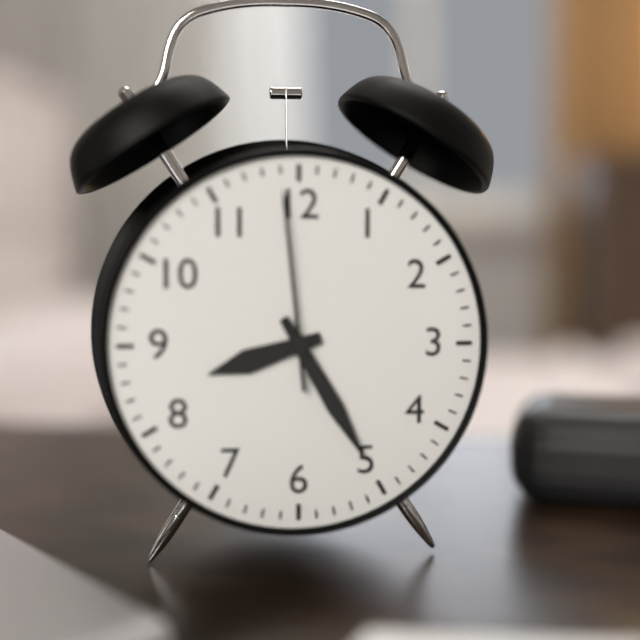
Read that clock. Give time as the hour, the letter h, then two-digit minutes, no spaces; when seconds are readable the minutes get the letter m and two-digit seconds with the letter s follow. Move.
8h25m59s
